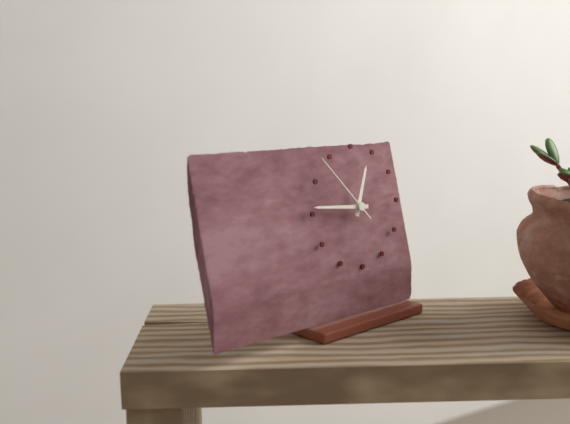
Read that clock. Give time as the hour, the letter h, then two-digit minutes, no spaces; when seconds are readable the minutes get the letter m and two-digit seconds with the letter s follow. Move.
12h46m53s
